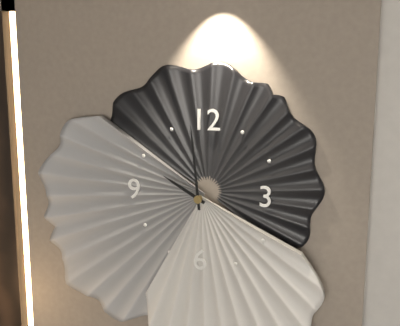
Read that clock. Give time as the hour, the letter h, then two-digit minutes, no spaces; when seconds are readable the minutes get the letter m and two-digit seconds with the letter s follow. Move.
9h59
